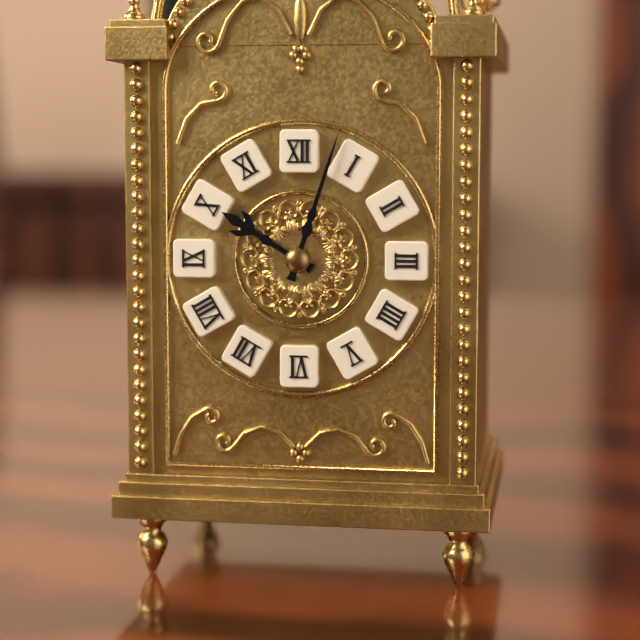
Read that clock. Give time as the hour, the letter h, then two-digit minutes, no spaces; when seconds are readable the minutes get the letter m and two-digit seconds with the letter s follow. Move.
10h03
